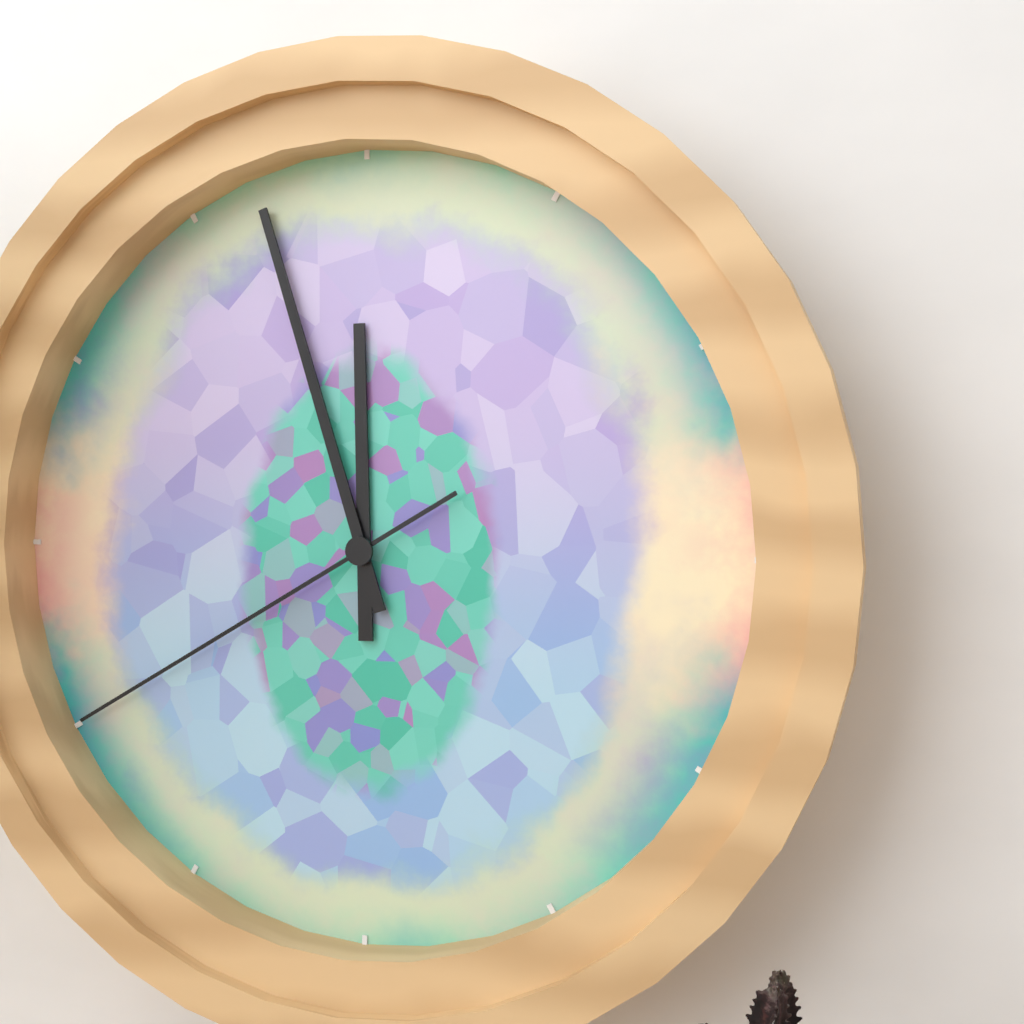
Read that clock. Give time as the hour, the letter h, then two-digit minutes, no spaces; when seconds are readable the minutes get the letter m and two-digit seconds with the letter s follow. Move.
11h57m40s
